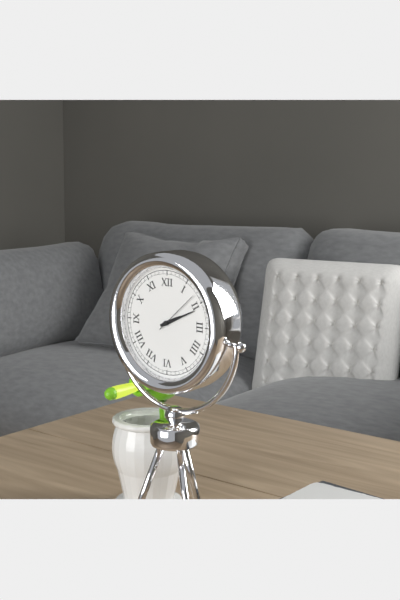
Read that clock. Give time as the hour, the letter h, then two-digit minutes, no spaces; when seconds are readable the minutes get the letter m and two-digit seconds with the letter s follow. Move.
2h11
